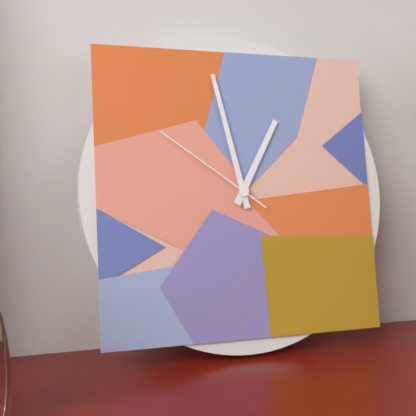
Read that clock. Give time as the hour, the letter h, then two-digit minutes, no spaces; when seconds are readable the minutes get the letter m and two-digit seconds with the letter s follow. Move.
12h58m51s
